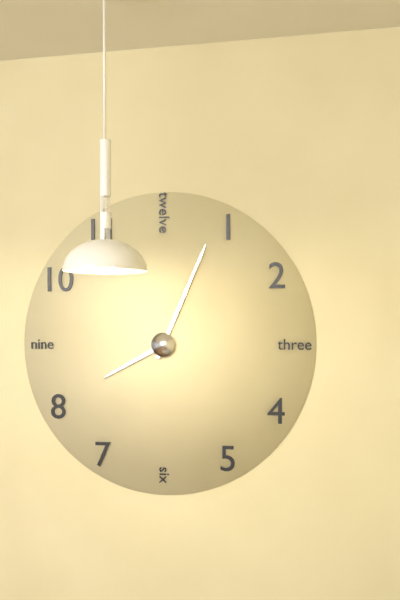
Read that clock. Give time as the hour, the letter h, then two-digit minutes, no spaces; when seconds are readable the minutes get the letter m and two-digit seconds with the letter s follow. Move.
8h04
